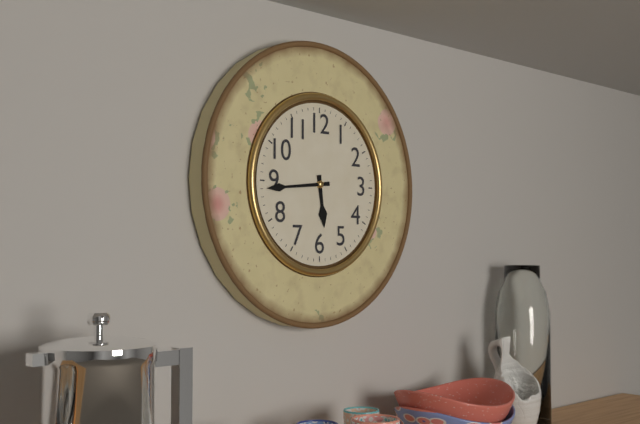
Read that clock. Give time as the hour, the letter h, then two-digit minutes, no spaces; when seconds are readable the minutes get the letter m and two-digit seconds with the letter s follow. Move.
5h44
